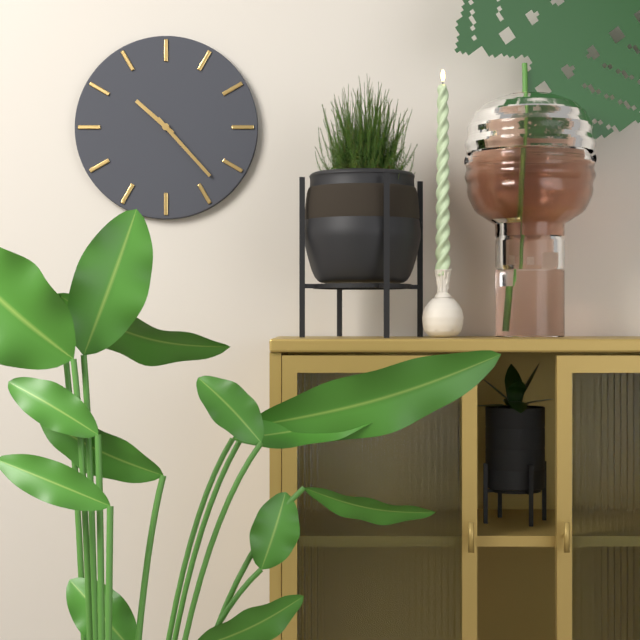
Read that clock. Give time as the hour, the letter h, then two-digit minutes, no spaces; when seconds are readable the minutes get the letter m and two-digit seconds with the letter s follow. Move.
10h23
